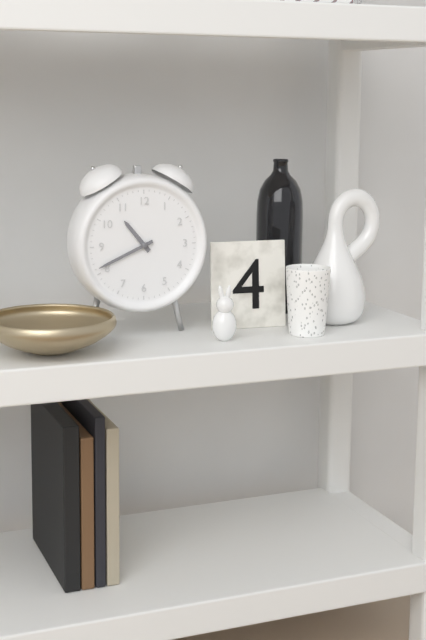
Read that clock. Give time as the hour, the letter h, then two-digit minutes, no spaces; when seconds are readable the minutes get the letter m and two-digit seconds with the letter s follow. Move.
10h41
